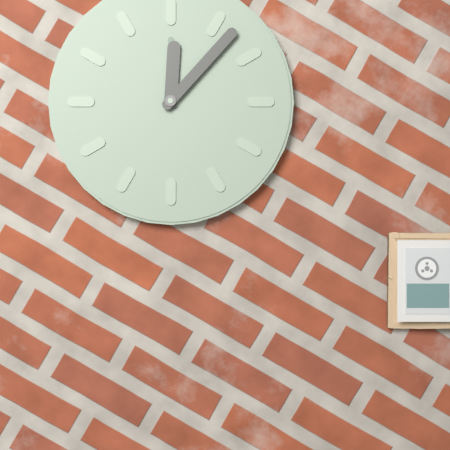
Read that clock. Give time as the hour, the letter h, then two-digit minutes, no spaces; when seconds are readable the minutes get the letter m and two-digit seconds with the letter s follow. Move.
12h07
